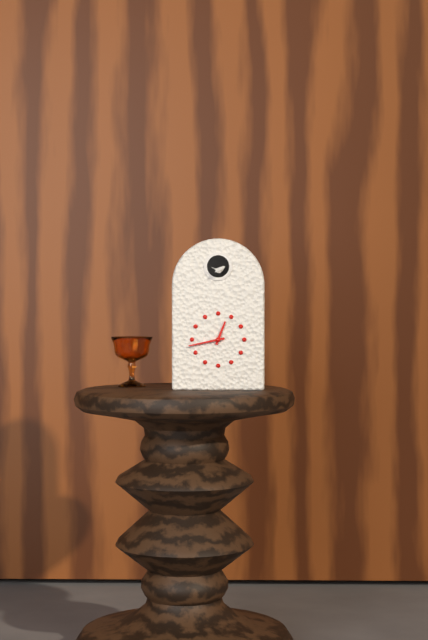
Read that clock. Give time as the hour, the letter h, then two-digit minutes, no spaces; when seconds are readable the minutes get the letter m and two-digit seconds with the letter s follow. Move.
12h43
